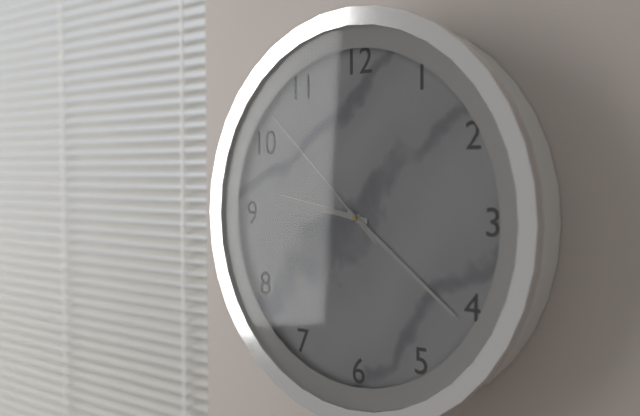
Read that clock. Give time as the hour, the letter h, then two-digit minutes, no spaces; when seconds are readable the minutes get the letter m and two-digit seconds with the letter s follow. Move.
9h21m52s
